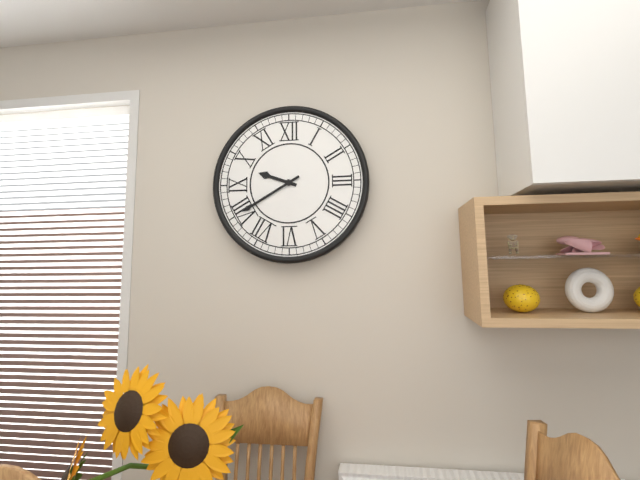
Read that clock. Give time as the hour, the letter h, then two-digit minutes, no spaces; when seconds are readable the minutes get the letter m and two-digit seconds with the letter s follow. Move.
9h40
